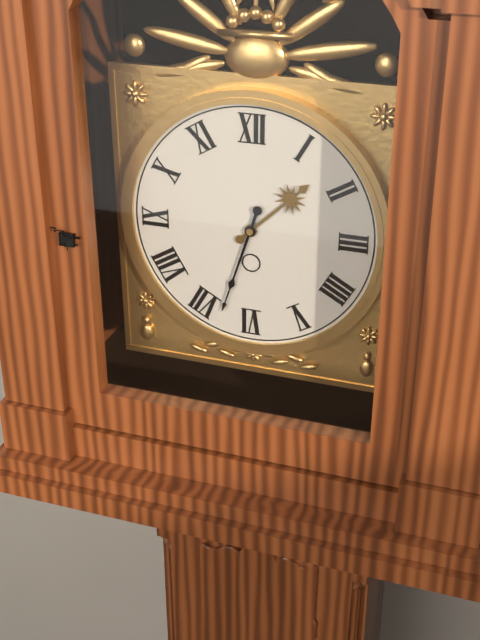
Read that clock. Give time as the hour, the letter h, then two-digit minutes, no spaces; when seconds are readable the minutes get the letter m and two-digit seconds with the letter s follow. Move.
1h33
